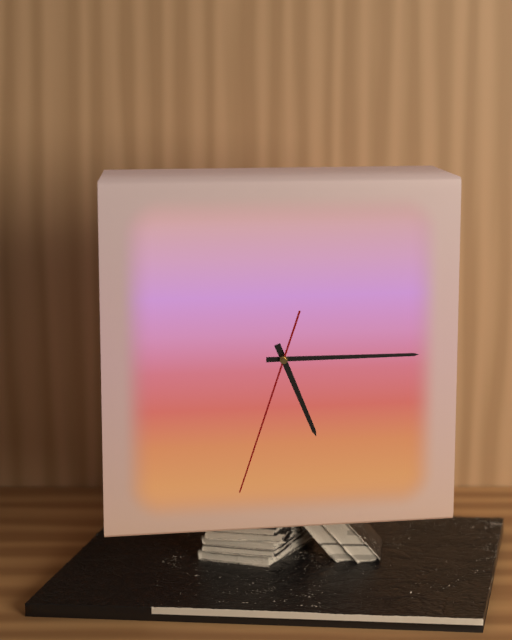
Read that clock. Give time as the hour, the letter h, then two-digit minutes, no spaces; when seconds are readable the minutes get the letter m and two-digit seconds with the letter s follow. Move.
5h15m33s
